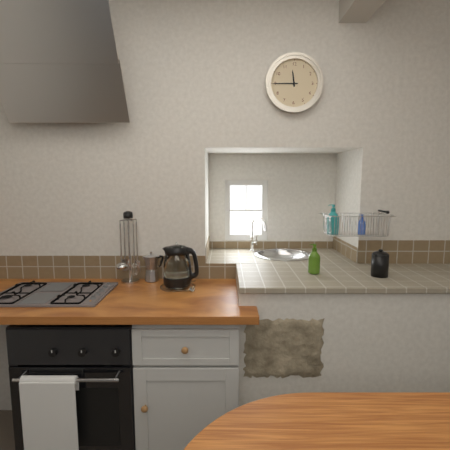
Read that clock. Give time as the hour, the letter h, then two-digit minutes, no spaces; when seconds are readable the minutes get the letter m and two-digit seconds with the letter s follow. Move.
11h45
